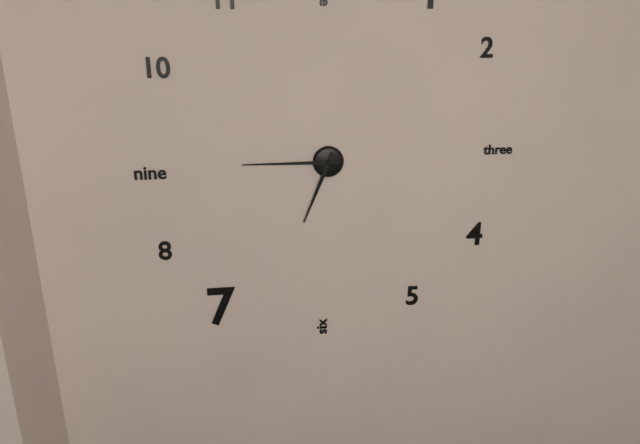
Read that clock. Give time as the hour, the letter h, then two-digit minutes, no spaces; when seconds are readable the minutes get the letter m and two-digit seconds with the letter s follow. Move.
6h45
